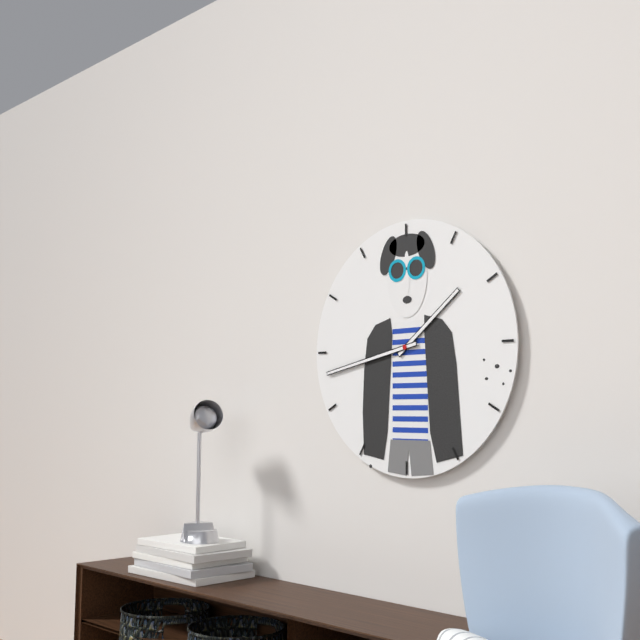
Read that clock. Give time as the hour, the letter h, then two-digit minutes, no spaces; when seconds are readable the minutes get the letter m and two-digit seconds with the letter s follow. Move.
1h43
